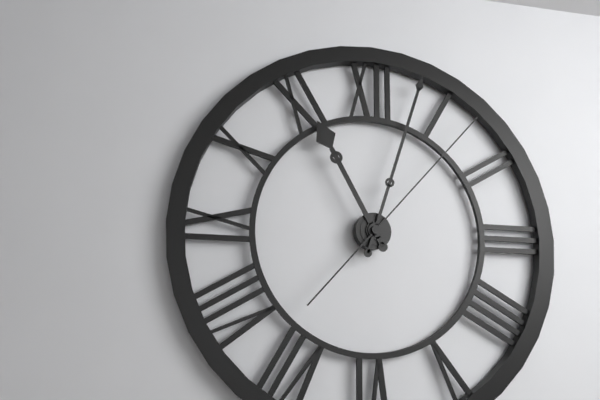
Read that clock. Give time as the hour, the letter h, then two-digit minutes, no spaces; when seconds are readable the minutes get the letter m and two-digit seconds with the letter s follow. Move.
11h03m07s
